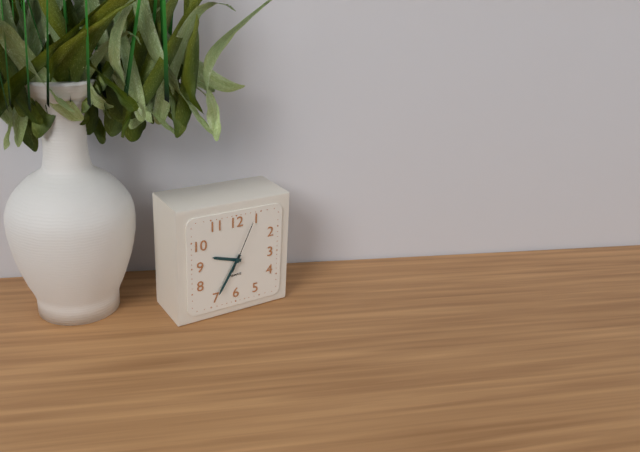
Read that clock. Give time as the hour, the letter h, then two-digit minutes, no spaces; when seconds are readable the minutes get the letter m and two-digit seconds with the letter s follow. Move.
9h35m04s
